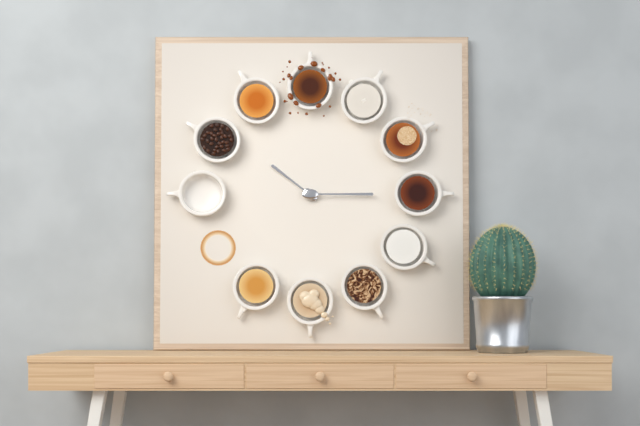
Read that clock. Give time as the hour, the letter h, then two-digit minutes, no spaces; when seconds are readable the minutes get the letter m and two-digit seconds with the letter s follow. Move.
10h15
